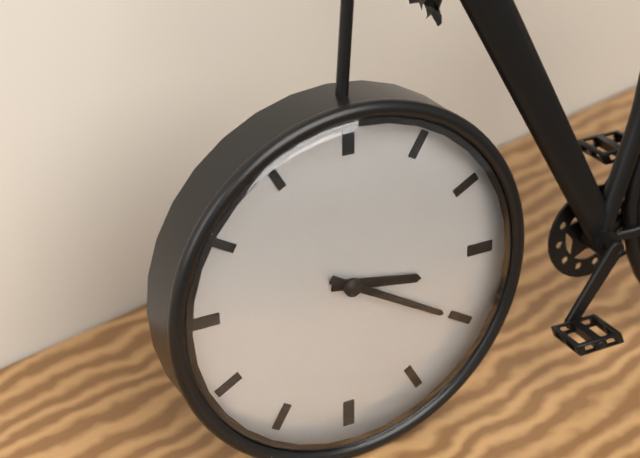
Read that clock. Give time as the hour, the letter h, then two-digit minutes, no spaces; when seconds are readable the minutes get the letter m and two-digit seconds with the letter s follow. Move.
3h20
